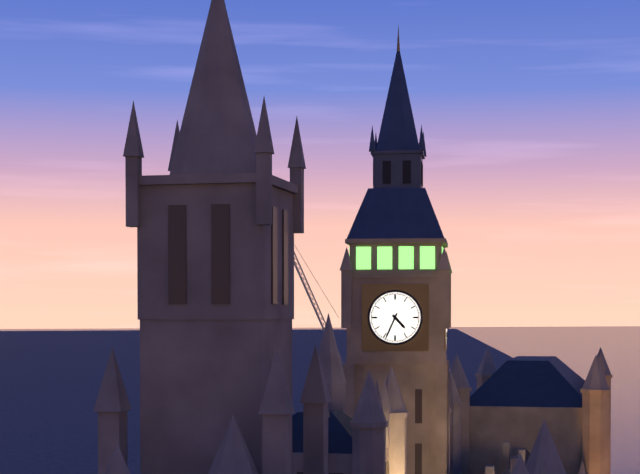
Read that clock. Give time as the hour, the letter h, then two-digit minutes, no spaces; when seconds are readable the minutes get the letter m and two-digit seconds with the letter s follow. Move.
4h34
